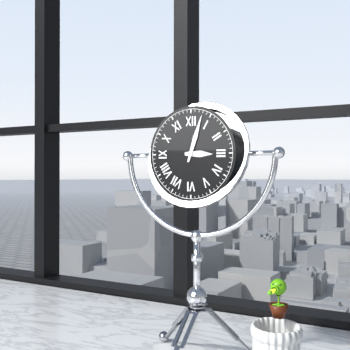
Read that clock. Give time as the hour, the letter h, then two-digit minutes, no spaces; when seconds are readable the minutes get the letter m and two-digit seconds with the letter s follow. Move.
3h03
